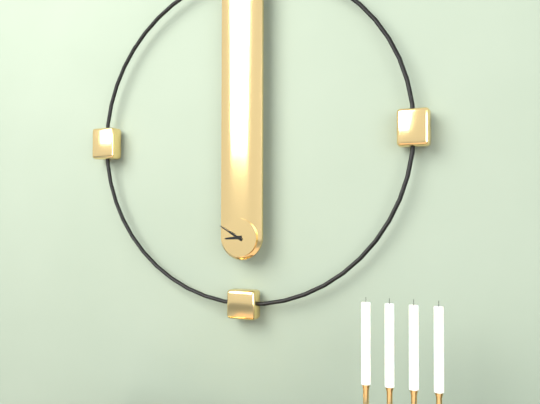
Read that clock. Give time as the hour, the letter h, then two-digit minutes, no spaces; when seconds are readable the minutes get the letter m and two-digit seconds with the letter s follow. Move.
8h50
